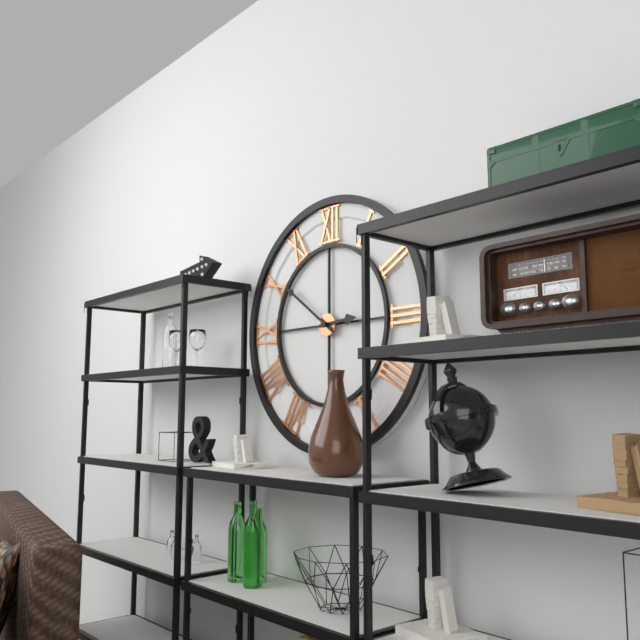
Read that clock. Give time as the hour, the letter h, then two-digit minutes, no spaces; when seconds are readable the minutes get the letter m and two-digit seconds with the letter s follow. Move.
2h51
